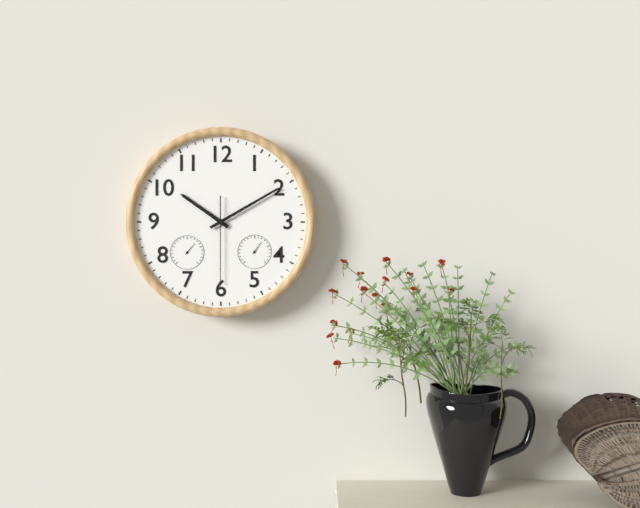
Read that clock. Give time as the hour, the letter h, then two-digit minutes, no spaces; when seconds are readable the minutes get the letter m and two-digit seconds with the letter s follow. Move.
10h10m30s
